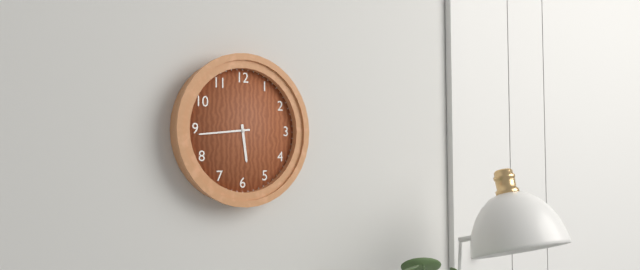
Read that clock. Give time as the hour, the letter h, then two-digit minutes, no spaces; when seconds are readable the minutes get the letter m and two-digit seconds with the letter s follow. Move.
5h44
